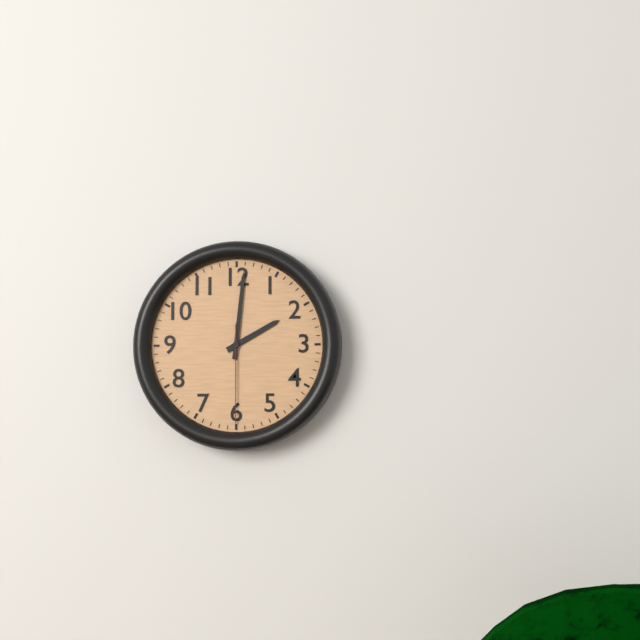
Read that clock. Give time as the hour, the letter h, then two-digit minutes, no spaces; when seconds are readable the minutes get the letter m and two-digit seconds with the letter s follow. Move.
2h01m30s
